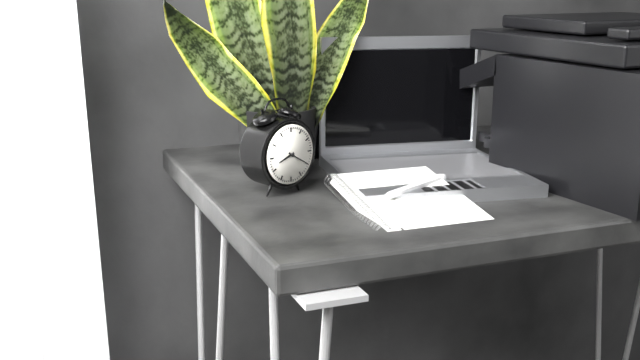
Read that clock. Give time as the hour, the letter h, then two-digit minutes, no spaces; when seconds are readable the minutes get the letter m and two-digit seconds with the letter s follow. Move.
8h20
